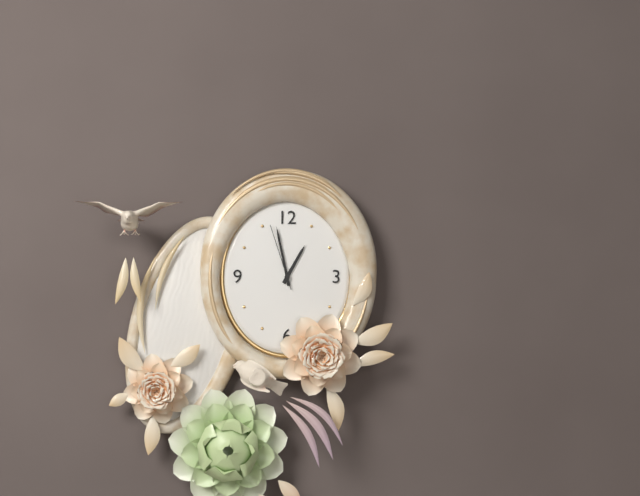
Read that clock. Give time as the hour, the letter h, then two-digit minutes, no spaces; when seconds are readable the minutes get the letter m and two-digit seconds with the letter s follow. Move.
12h58m57s
